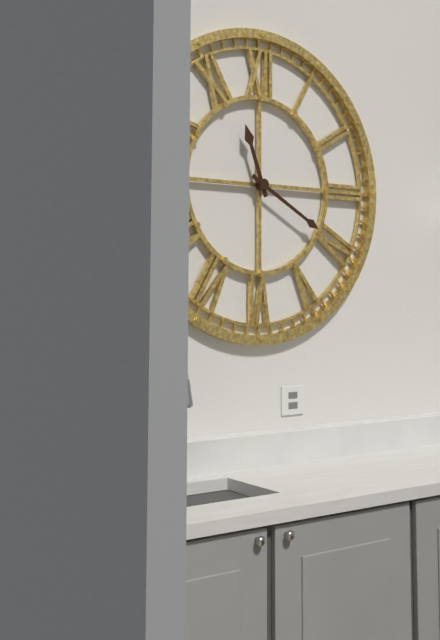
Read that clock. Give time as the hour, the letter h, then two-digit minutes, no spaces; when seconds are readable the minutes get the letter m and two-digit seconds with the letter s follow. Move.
11h20
